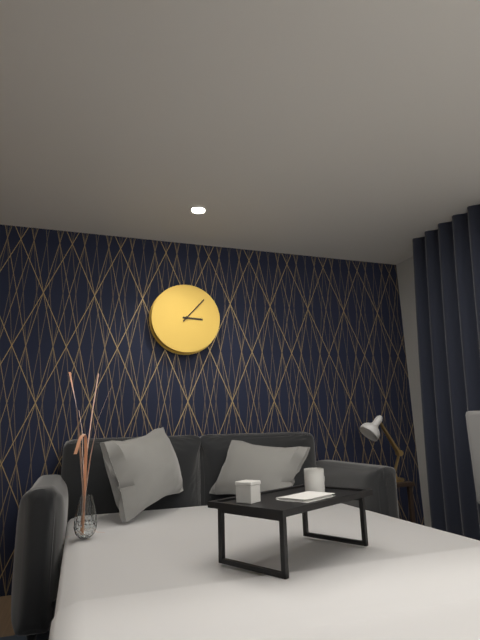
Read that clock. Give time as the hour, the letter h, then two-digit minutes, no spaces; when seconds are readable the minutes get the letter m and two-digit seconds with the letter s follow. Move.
3h07
